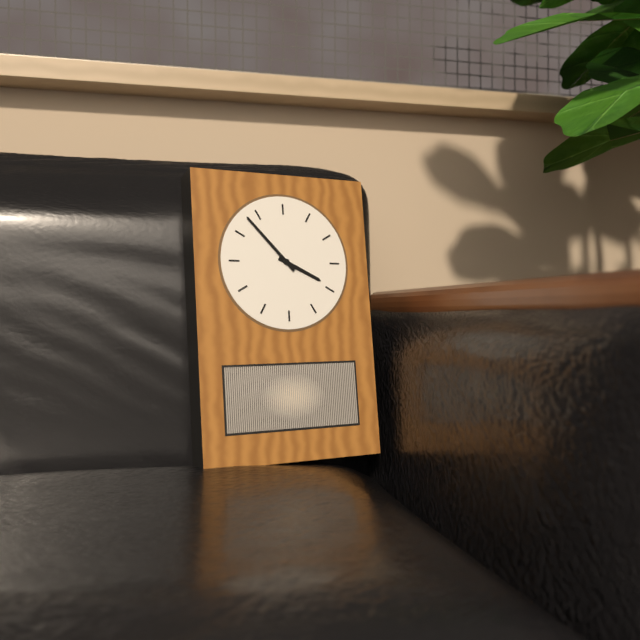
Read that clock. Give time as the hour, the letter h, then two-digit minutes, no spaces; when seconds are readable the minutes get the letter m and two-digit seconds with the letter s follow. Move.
3h53
